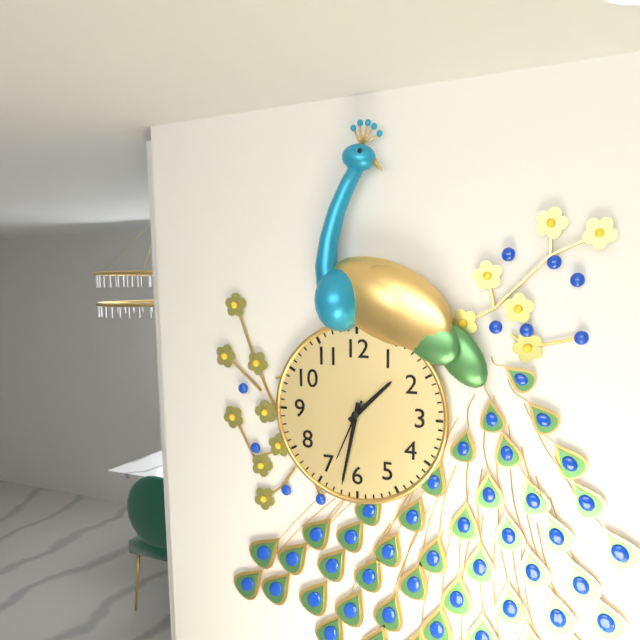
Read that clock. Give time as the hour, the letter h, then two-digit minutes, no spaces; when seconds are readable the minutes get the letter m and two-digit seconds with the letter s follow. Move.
1h32m34s
